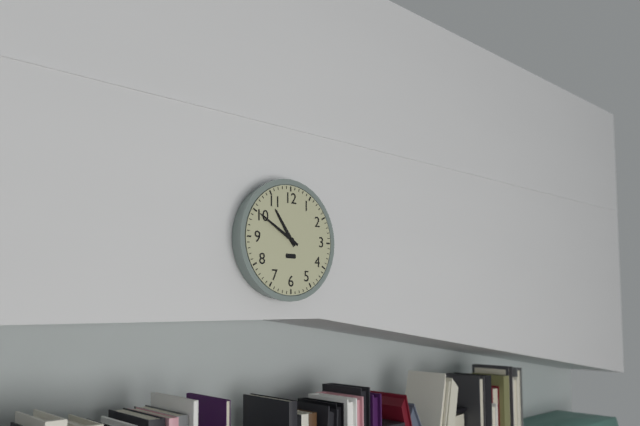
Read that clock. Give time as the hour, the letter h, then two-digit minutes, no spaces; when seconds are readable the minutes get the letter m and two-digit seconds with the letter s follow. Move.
10h50
